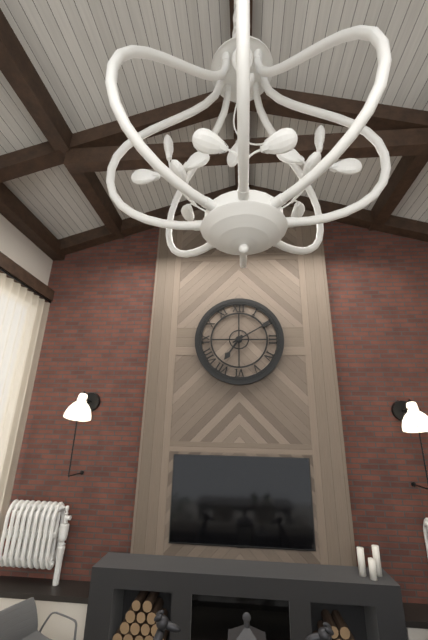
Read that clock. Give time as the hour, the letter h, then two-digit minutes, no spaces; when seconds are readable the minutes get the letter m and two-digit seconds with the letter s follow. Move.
7h10
